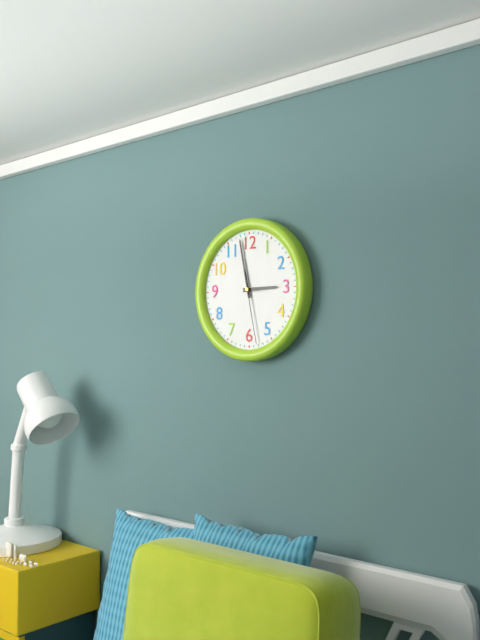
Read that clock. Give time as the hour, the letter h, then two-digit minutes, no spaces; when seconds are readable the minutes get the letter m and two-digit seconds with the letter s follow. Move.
2h58m28s
